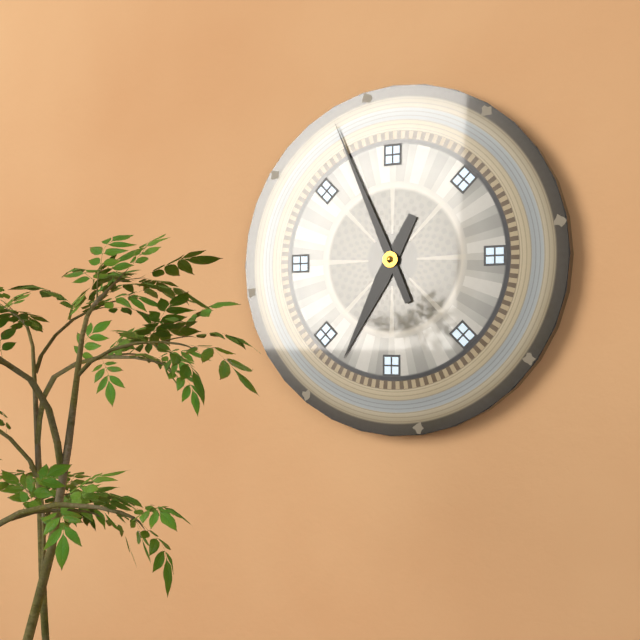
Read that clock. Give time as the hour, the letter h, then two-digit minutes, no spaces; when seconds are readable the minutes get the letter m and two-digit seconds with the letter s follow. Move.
6h56
